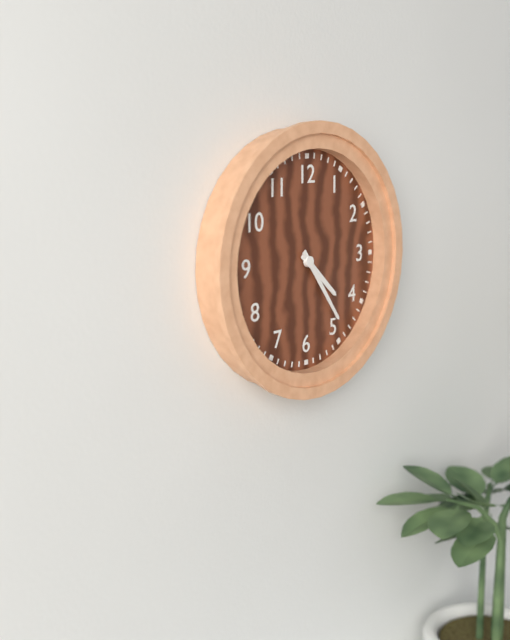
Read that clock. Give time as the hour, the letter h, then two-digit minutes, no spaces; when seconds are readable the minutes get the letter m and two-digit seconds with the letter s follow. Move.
4h24
